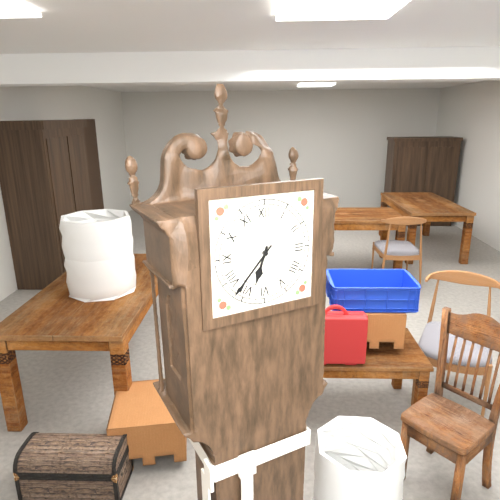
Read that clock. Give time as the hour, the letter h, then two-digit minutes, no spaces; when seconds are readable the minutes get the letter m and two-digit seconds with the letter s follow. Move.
6h37
